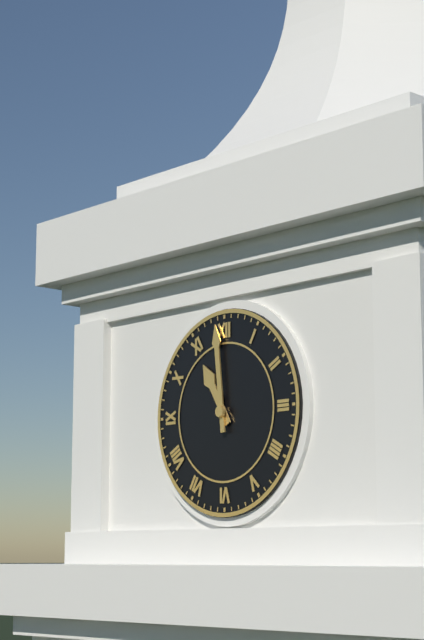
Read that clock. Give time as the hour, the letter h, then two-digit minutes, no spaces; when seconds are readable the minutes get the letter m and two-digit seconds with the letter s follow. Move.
10h59
